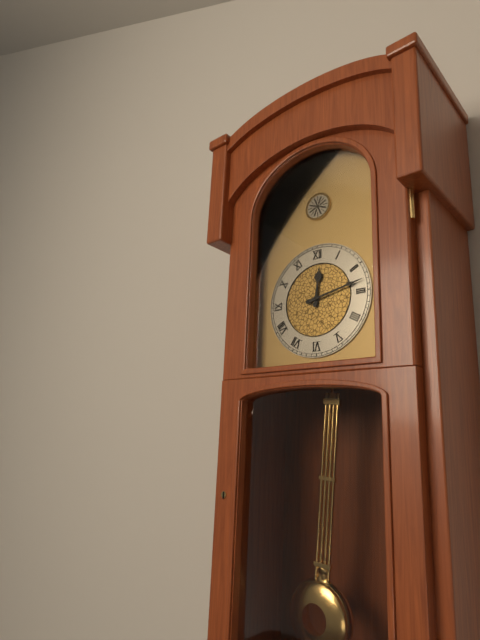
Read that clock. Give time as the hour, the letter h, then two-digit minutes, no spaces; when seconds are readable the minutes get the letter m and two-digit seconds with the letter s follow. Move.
12h13
